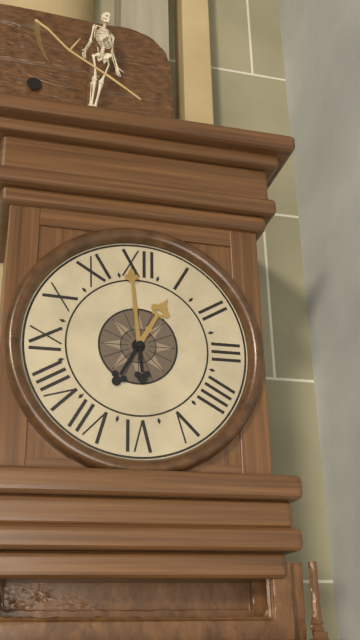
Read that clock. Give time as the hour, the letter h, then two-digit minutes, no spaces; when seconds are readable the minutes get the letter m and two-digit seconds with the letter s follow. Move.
12h59
